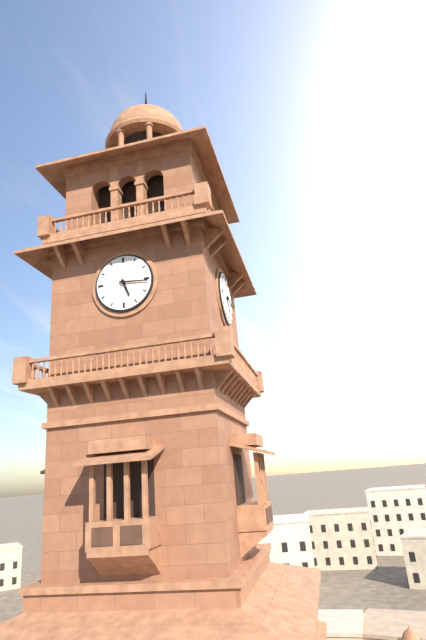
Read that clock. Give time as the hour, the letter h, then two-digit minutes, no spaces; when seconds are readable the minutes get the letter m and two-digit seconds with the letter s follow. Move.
5h16
